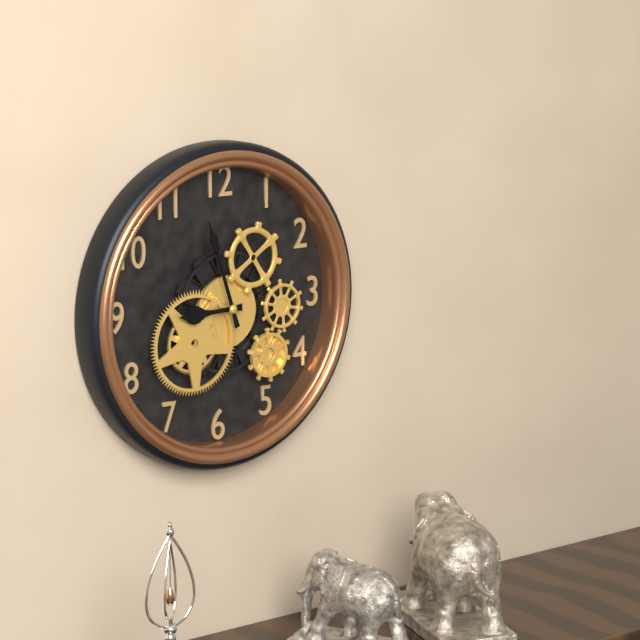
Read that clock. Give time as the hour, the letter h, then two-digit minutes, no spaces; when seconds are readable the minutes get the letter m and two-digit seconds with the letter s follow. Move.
8h57
